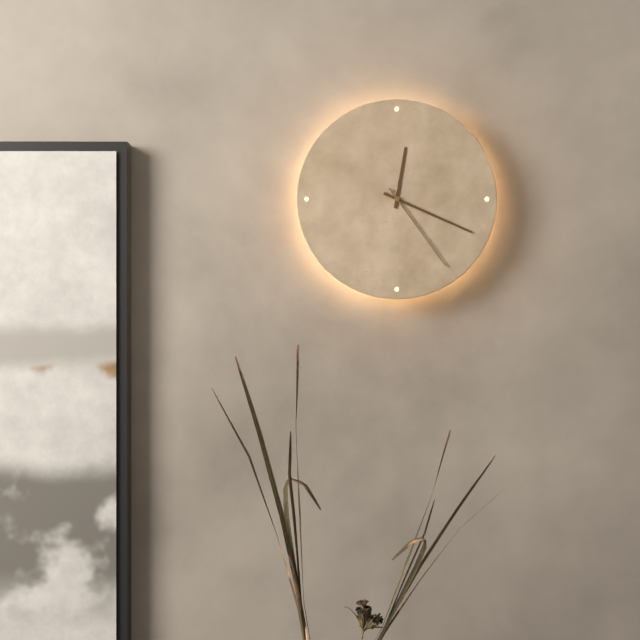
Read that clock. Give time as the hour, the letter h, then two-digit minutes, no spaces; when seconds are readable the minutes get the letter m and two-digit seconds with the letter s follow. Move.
12h19m24s
